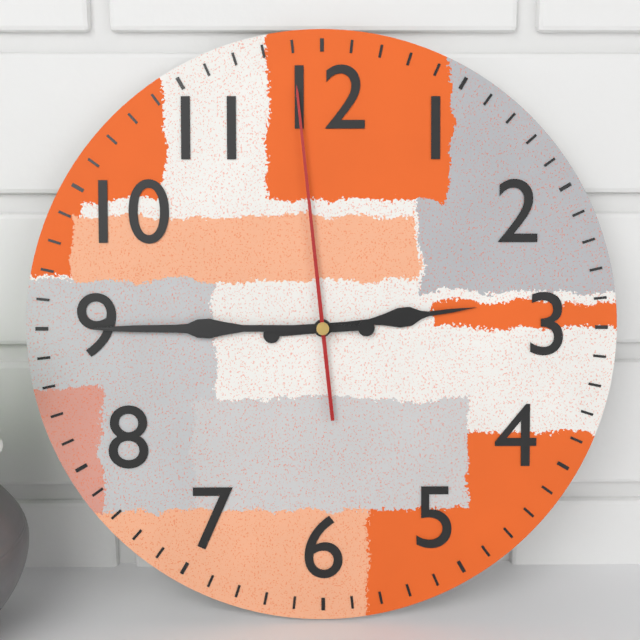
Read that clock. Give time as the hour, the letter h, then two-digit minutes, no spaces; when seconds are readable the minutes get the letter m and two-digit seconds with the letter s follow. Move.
2h45m59s
